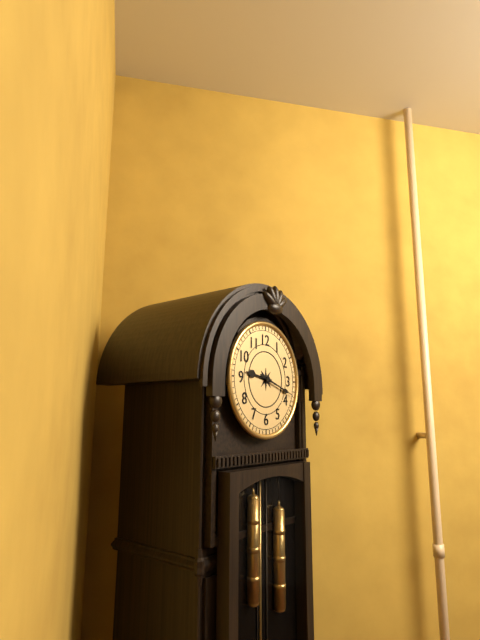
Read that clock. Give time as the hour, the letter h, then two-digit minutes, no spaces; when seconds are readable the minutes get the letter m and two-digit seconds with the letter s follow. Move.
9h18
